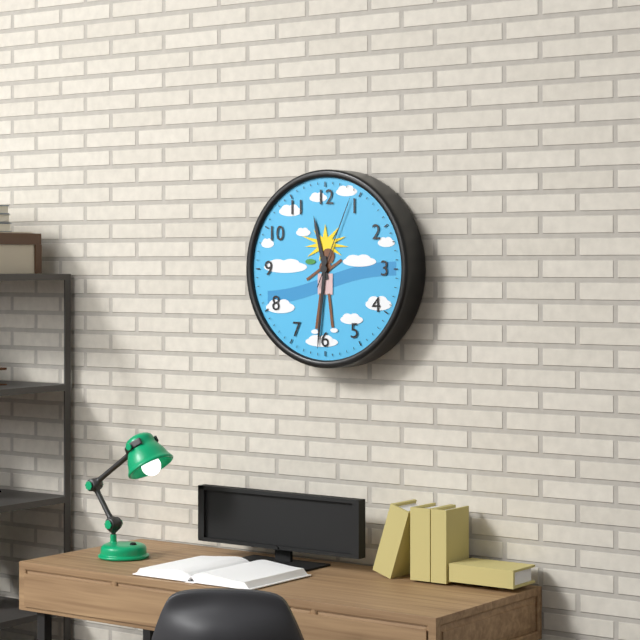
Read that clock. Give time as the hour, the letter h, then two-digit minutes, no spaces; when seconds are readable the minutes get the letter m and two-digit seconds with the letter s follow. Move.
11h31m04s
